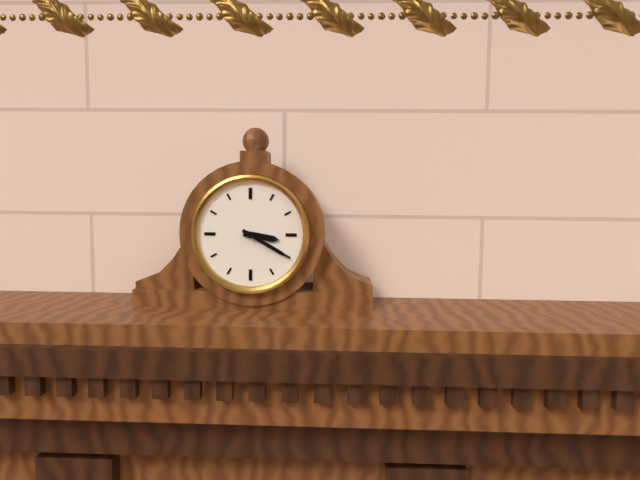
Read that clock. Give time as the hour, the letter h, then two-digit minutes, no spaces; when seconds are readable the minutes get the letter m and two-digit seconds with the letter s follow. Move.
3h20
